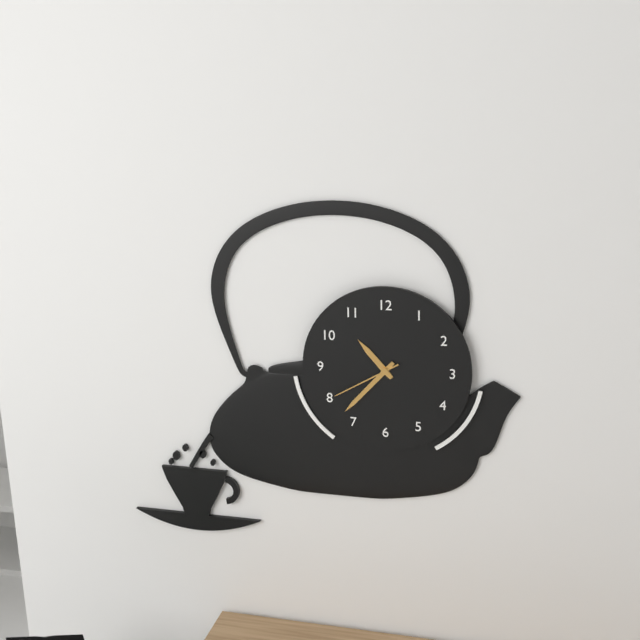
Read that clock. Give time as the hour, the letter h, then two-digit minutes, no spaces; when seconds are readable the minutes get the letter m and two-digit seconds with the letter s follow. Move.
10h37m40s
